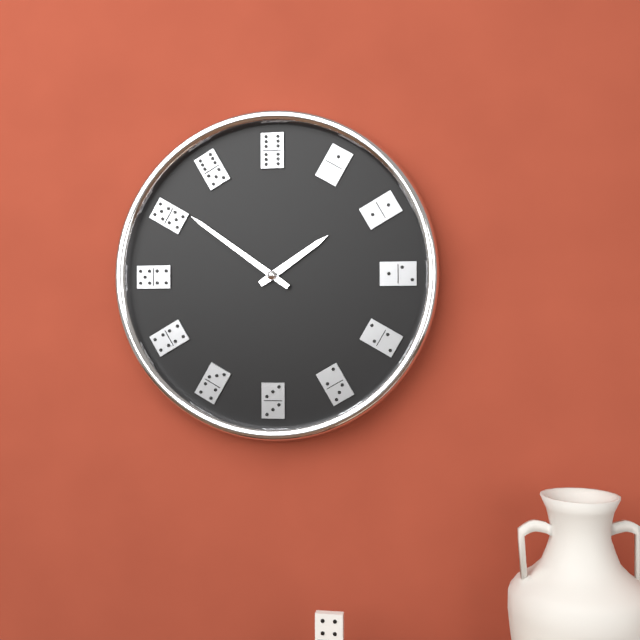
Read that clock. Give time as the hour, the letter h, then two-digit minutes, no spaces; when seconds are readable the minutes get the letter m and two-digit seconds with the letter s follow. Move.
1h51
